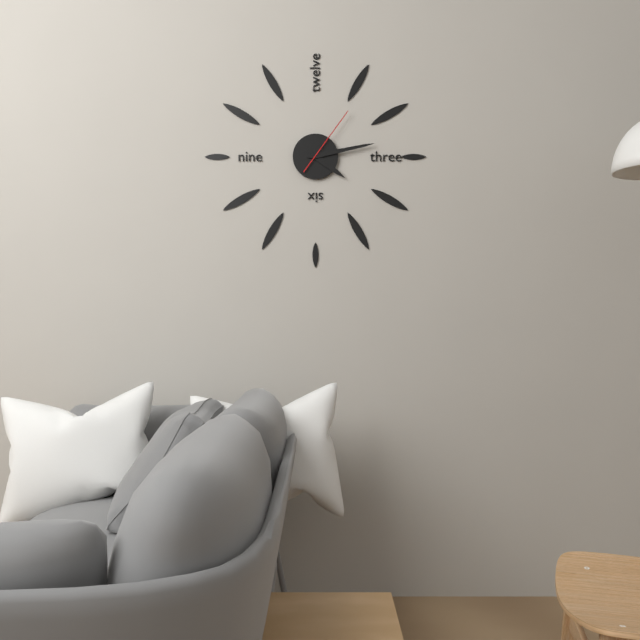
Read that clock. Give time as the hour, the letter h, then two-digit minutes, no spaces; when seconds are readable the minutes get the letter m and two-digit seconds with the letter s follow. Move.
4h13m06s
